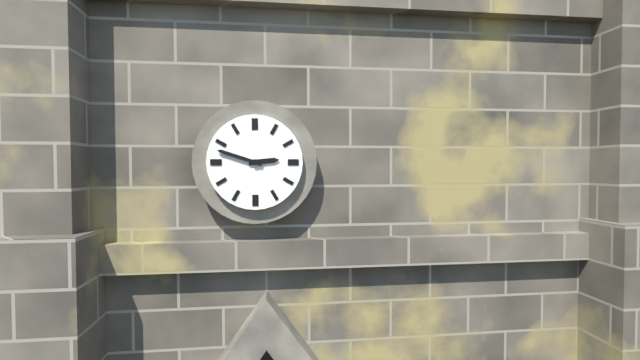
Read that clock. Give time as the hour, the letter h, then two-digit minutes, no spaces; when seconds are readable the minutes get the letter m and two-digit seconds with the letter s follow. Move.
2h48
